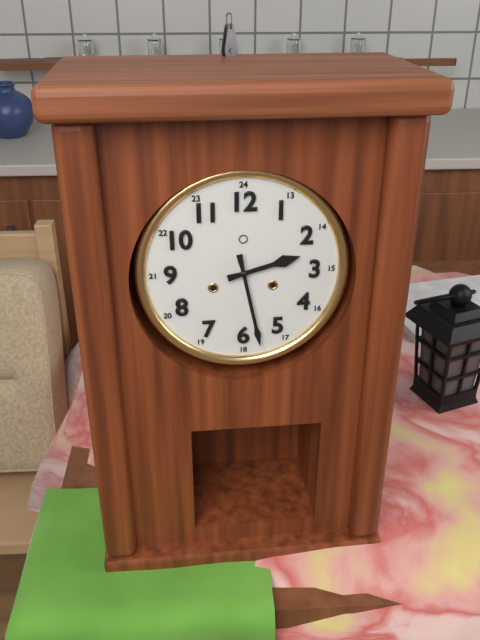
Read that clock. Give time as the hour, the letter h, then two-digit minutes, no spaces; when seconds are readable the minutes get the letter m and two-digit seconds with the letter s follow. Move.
2h28
